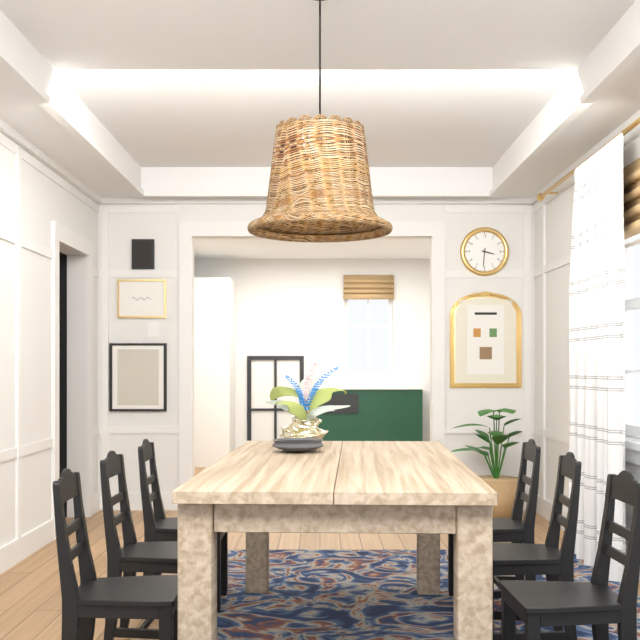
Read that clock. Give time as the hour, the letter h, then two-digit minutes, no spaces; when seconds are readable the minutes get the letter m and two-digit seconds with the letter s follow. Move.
3h31
